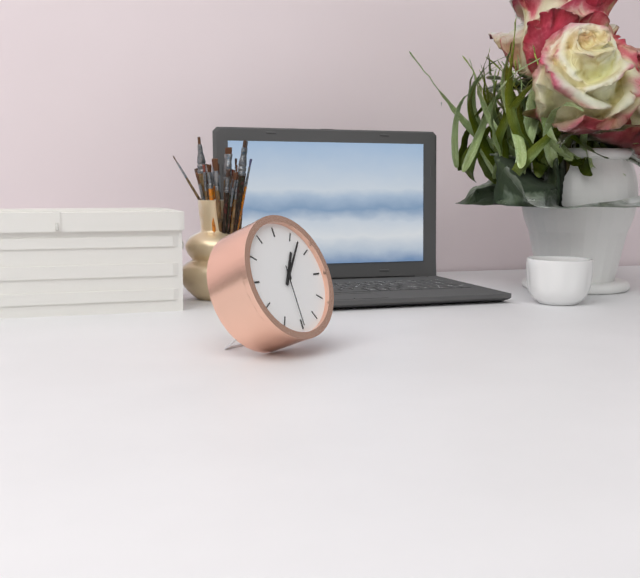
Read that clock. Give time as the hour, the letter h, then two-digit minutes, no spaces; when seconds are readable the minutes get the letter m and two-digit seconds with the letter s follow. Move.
1h07m30s
